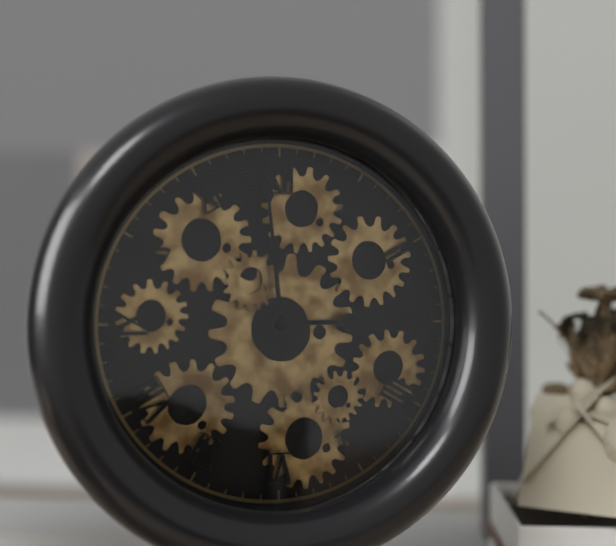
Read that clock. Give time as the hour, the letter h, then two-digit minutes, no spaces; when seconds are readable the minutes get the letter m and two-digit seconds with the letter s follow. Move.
2h59
